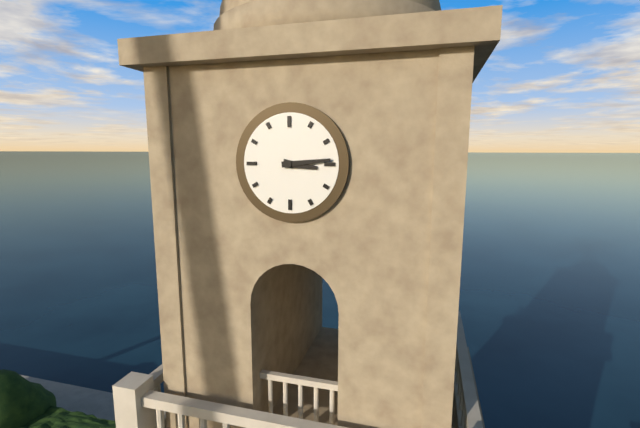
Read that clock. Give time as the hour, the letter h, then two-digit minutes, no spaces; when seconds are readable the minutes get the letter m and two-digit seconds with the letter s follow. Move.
3h14
